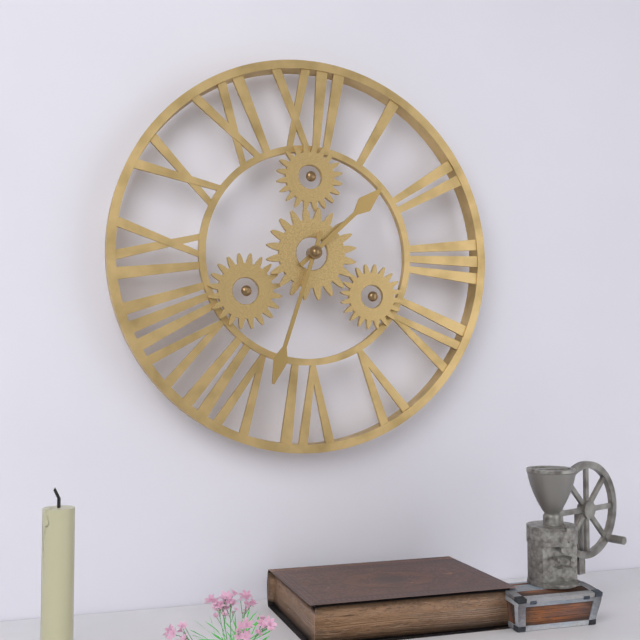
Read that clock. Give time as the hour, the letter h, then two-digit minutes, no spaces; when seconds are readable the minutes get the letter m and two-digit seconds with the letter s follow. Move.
1h33
